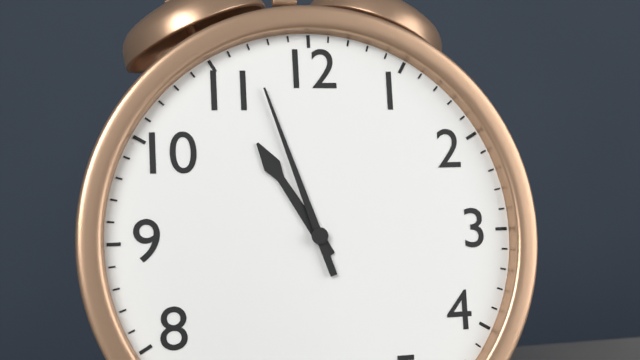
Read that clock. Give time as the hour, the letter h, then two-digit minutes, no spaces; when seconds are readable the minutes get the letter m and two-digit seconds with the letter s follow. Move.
10h57
